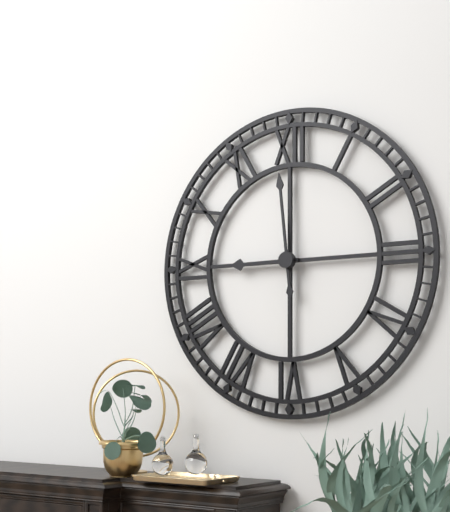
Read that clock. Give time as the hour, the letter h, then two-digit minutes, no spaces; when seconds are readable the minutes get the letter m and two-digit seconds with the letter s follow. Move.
8h59
